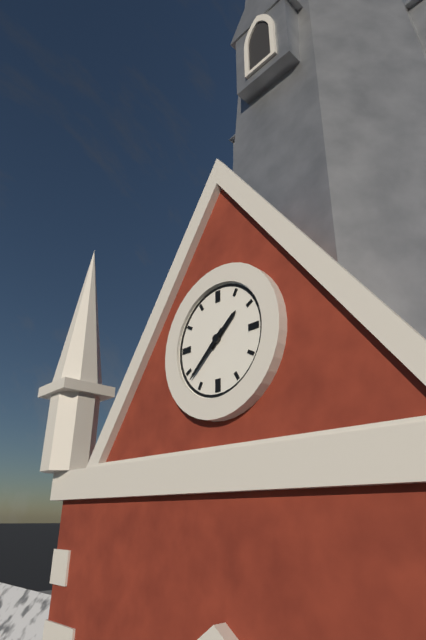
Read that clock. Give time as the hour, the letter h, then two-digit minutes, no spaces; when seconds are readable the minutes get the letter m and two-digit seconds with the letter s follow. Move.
1h38
